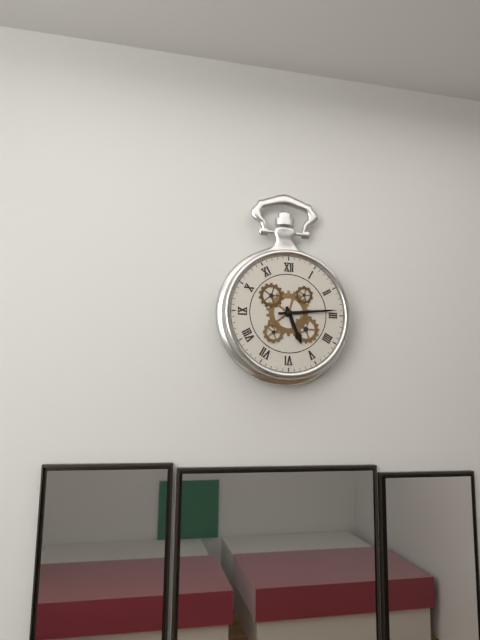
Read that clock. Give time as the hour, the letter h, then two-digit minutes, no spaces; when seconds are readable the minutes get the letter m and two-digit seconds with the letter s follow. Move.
5h14
